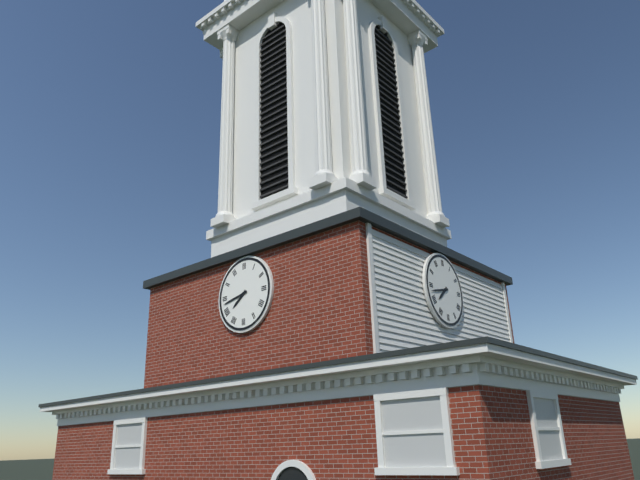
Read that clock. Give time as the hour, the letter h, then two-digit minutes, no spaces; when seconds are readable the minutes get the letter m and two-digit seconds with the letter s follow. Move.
7h43
